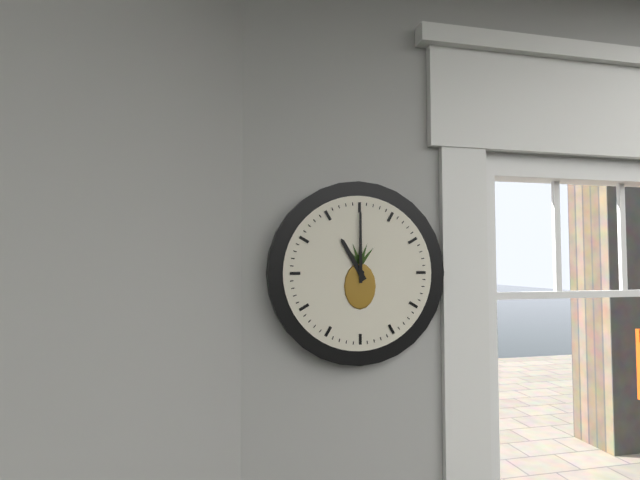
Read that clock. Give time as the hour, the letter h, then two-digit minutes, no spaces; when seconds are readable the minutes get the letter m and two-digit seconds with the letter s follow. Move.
11h00
